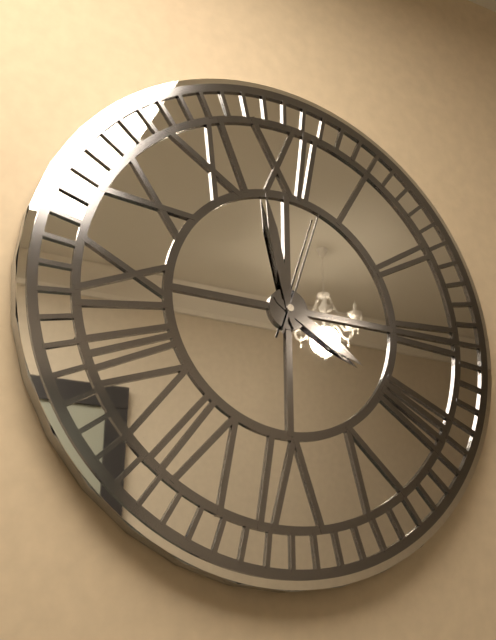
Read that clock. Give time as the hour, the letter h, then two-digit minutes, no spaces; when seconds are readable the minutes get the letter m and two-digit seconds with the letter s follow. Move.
3h58m03s
